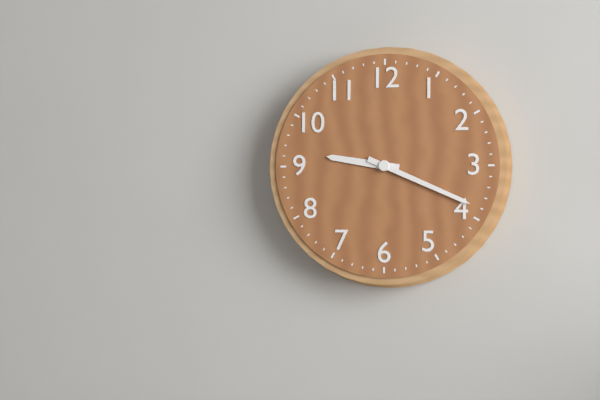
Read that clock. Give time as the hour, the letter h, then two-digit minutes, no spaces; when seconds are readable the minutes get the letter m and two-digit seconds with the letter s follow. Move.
9h19
